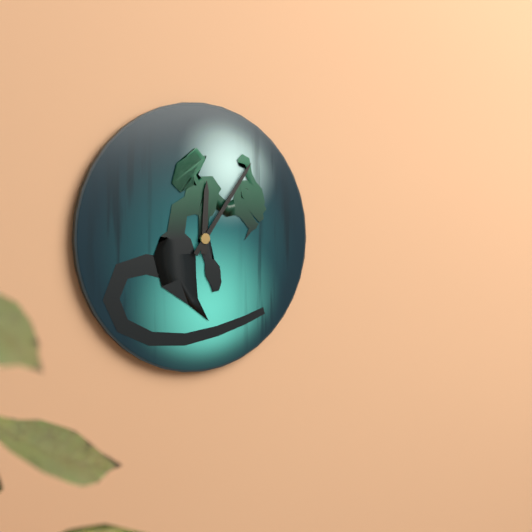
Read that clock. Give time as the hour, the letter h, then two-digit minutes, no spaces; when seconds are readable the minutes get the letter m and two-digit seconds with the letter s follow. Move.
12h06
